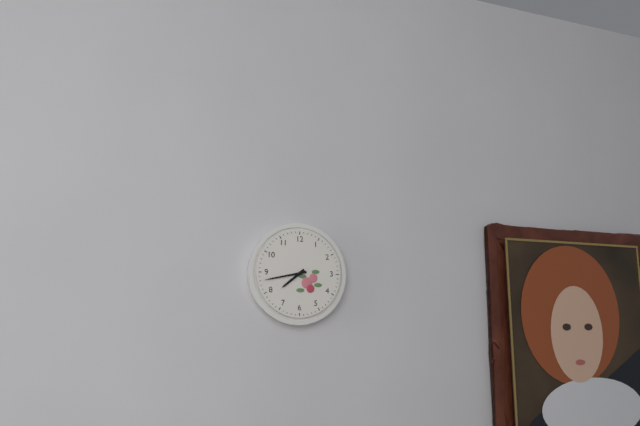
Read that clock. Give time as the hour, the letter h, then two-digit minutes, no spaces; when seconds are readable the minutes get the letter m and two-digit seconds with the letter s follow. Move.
7h43
